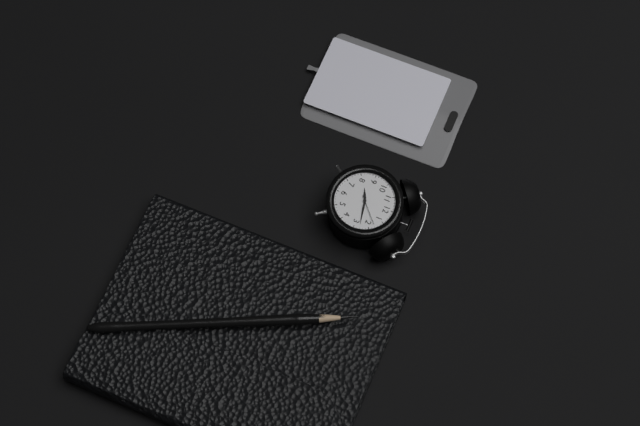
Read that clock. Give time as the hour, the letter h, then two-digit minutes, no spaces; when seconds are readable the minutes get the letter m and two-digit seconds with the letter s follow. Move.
8h13
